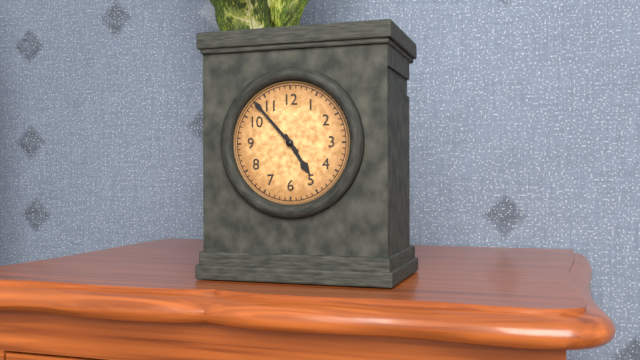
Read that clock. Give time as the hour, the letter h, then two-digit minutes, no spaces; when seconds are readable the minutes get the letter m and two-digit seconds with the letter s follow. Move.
4h53
